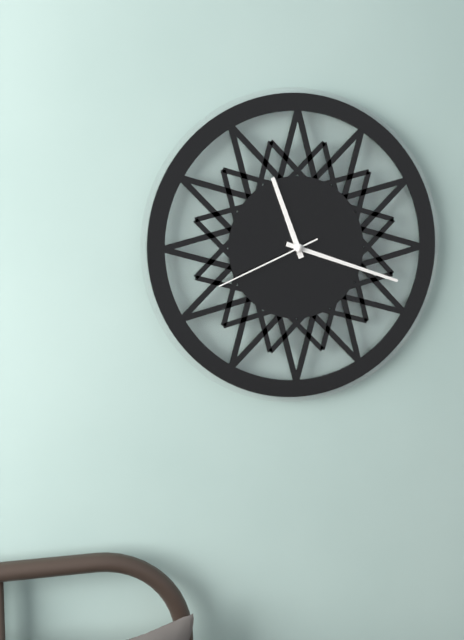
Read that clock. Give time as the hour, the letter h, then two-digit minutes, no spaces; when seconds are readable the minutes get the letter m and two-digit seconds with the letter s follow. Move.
11h18m41s
